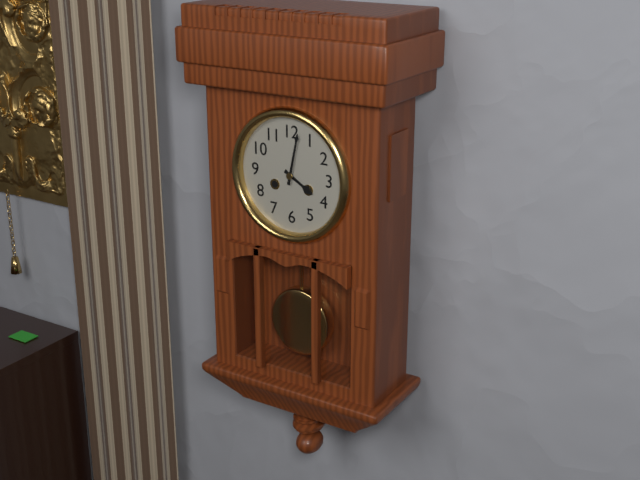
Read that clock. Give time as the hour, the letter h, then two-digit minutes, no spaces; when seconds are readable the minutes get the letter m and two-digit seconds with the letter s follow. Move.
4h02
